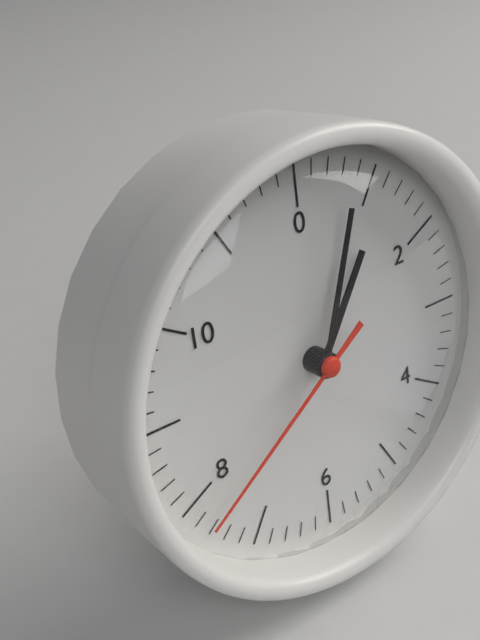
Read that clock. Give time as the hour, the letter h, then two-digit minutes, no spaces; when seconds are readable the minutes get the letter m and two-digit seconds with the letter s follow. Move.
1h03m39s
